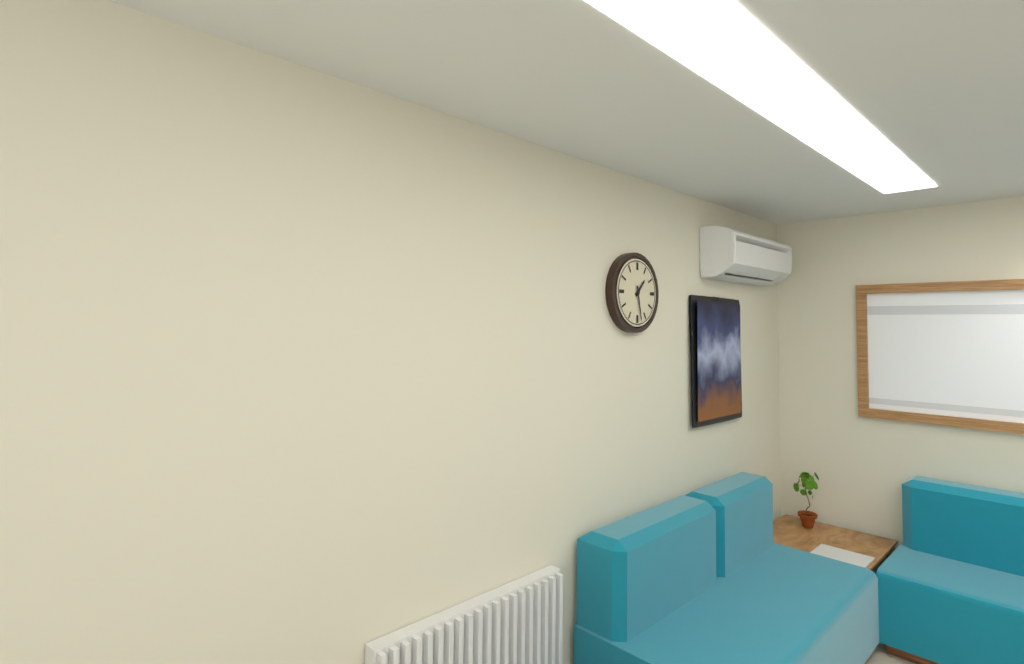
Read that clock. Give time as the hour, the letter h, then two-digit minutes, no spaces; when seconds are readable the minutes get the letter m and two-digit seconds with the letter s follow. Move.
1h28
